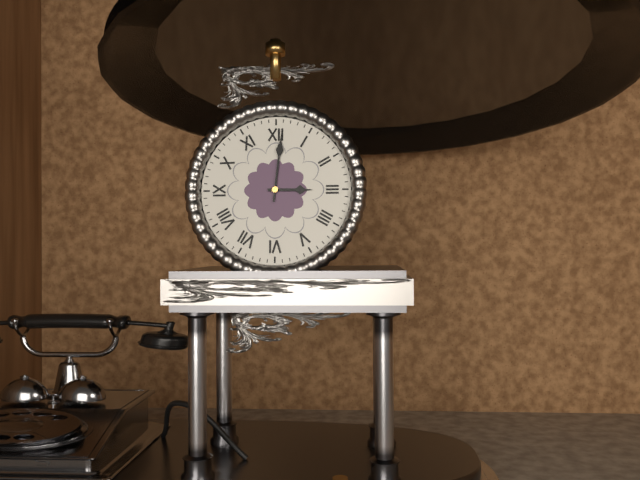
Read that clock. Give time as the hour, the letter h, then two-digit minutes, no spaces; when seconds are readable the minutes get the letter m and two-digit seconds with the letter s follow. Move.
3h01
